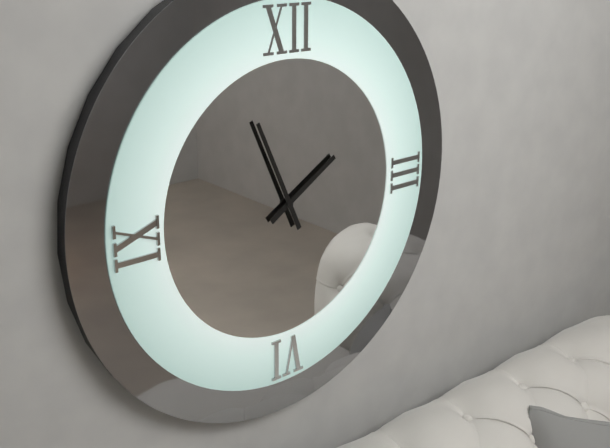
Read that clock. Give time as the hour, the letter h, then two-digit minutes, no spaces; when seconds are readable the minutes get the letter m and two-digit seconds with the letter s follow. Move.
1h56
